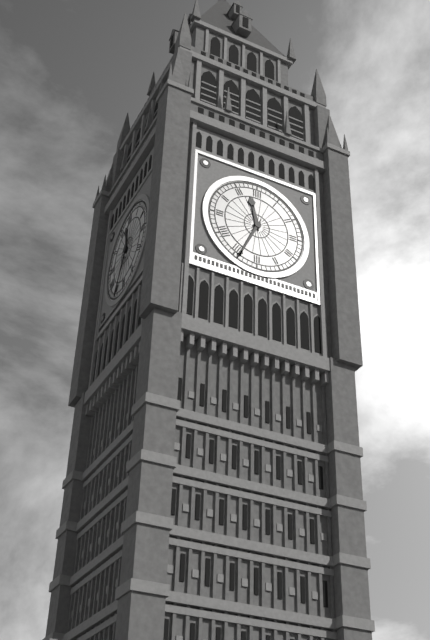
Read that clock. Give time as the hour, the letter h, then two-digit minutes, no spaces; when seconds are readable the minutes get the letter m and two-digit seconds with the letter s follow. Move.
11h34
